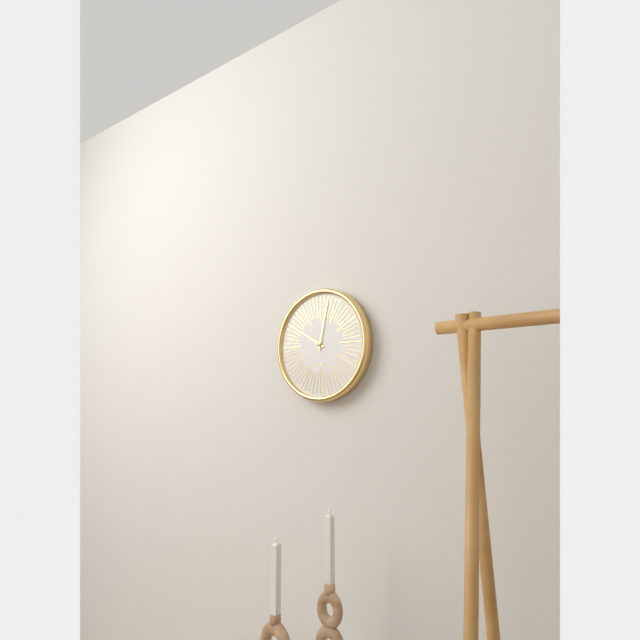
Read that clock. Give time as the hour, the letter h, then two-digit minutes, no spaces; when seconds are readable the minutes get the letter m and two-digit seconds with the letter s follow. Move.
10h02
